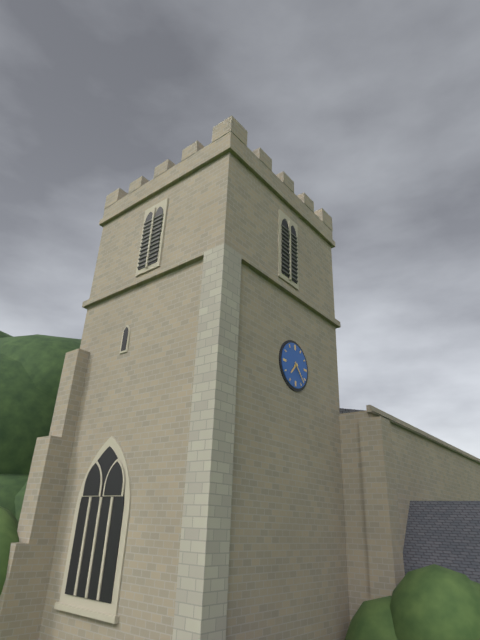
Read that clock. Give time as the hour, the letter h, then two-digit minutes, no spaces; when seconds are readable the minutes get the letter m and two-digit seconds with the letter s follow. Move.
7h23
